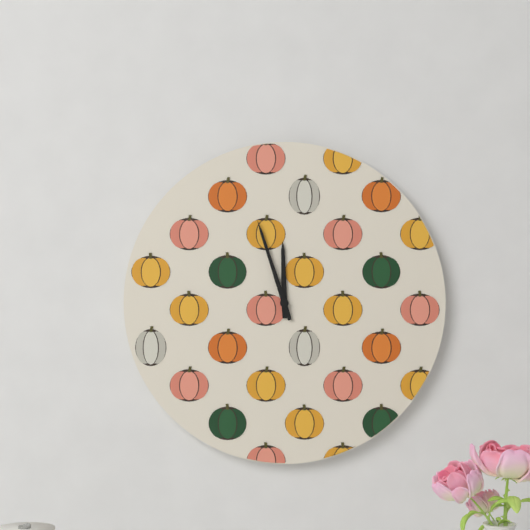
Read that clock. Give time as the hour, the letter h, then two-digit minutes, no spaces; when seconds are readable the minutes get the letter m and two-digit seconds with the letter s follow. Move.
11h57
